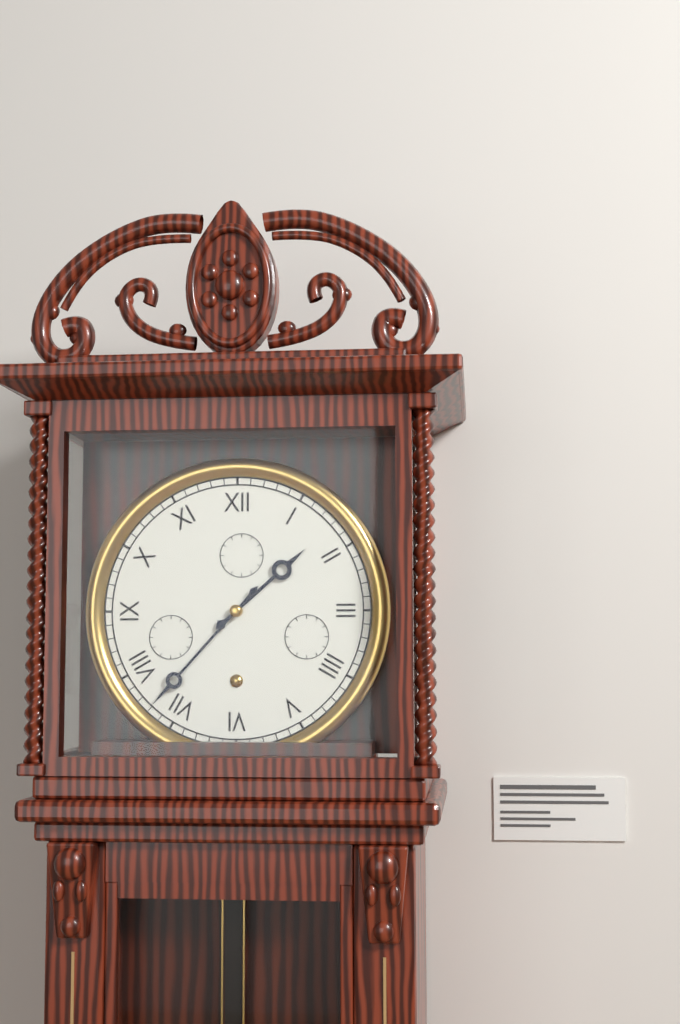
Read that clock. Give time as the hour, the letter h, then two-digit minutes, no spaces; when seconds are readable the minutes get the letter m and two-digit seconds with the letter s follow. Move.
1h37
